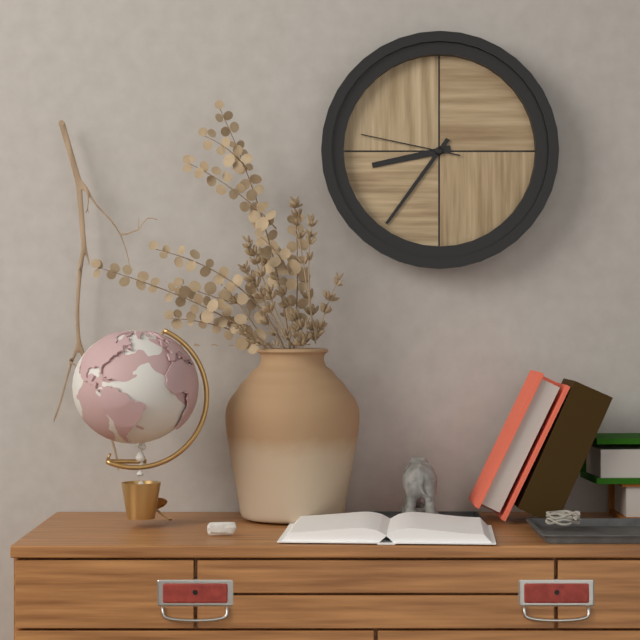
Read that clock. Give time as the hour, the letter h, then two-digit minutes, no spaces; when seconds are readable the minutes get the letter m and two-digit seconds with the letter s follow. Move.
8h36m47s
